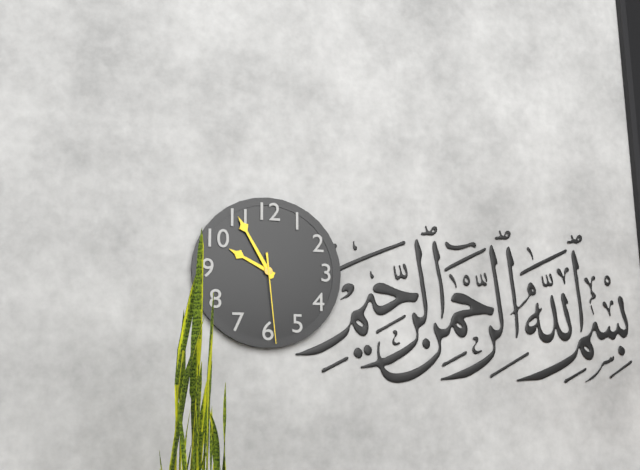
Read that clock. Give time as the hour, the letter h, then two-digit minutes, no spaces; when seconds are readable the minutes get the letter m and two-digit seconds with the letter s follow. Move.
9h55m29s
